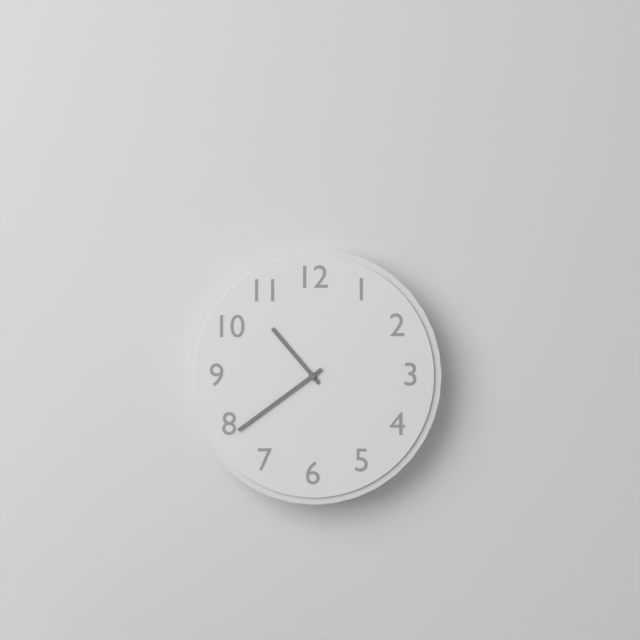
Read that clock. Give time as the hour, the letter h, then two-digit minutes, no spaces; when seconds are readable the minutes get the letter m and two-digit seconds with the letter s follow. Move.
10h39
